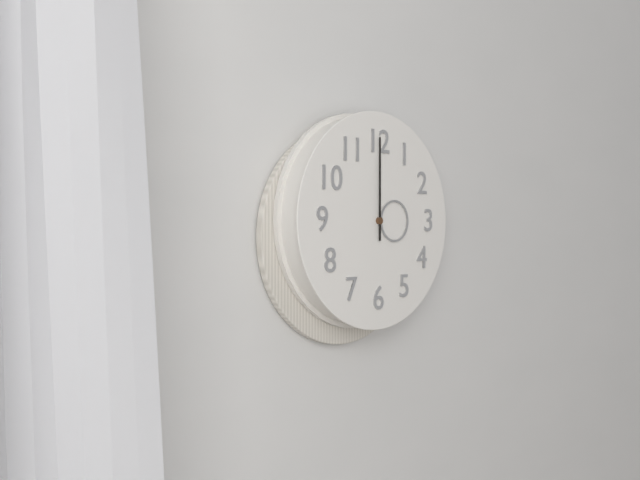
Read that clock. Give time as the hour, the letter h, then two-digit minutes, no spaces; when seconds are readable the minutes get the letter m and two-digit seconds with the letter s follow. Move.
3h00
